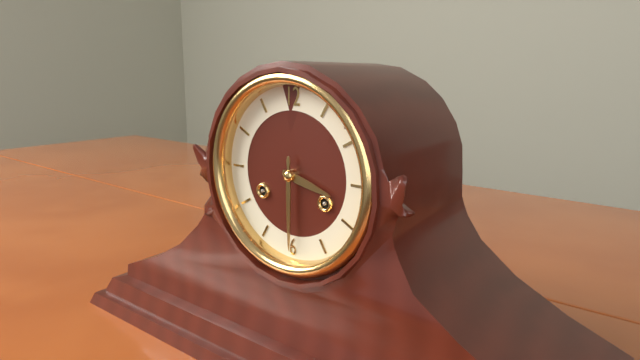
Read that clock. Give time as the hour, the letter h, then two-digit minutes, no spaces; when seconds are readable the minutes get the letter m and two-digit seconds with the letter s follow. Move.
3h30
